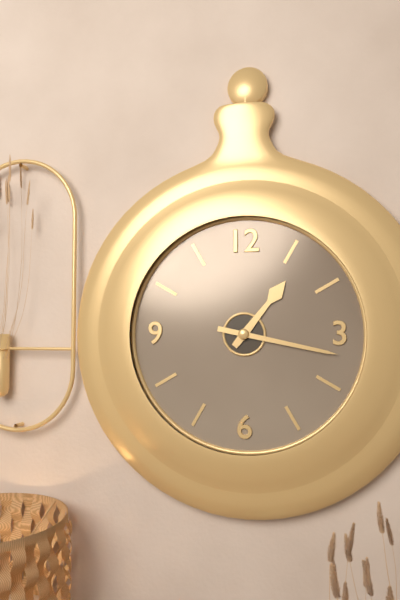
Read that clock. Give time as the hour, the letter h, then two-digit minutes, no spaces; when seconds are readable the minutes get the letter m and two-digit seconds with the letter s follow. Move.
1h17
